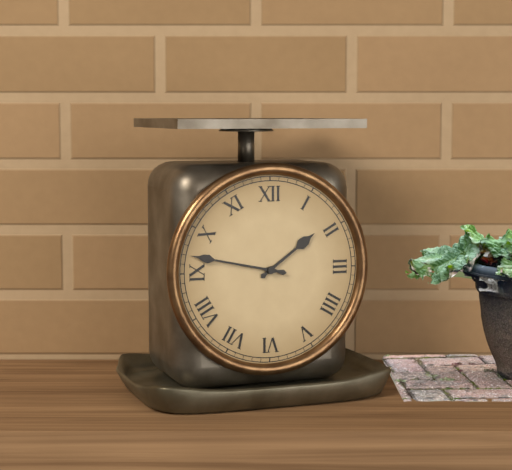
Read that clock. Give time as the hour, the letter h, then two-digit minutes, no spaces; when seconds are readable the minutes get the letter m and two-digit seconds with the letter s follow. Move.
1h47
